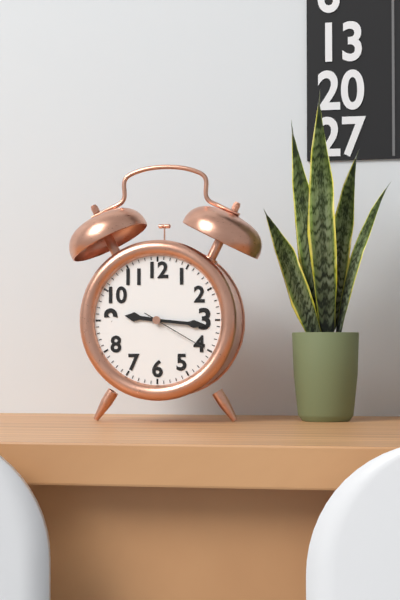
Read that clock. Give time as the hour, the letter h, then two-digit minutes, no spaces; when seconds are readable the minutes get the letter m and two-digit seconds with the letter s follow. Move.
9h16m20s
